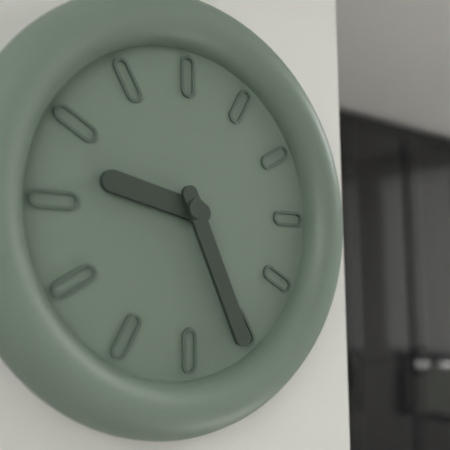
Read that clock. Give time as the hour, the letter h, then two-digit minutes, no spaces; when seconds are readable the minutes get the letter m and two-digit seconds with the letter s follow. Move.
9h26
